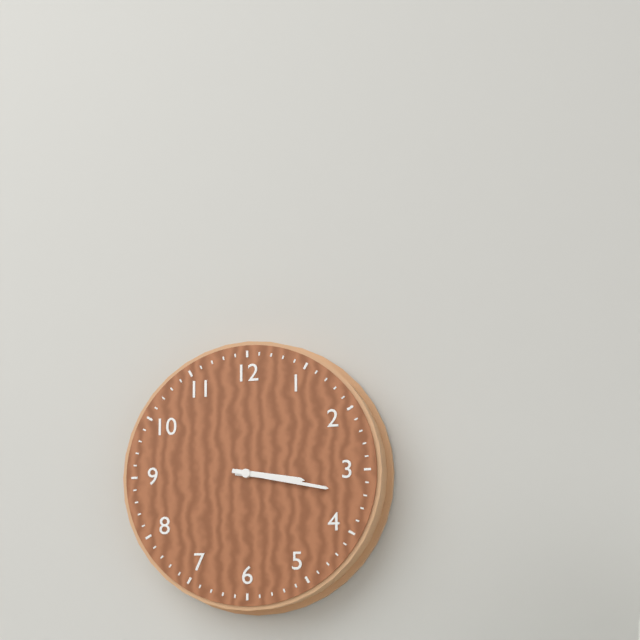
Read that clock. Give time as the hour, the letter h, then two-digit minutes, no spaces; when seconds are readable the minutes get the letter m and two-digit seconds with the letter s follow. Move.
3h17
